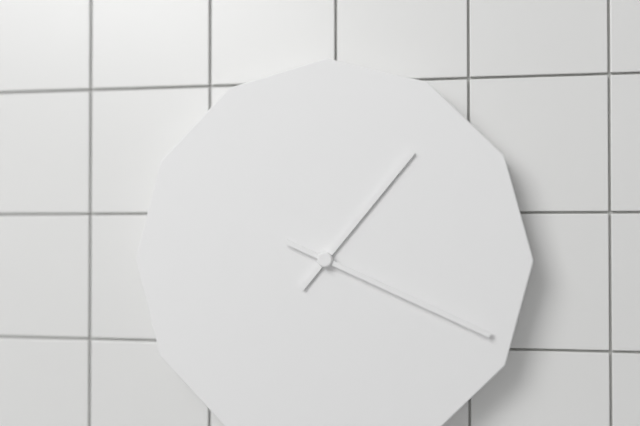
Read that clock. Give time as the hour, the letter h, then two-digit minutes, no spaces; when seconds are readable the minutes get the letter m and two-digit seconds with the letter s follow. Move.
1h19
